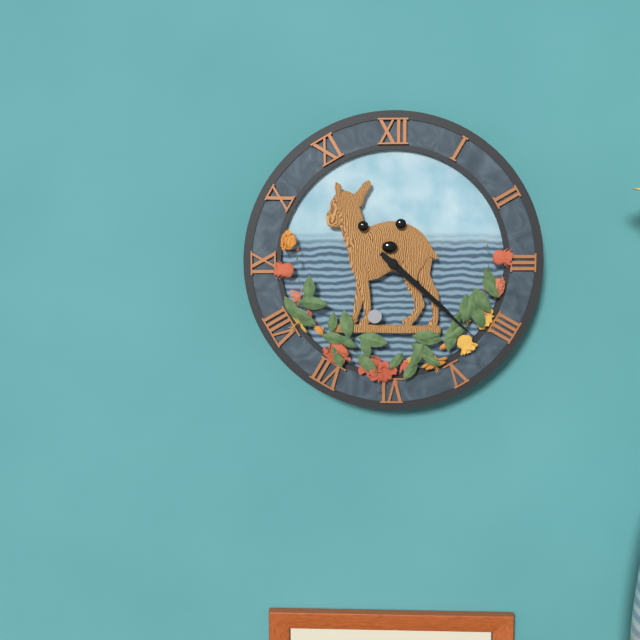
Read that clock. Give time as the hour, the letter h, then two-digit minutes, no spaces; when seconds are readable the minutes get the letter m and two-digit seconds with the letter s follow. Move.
4h22
